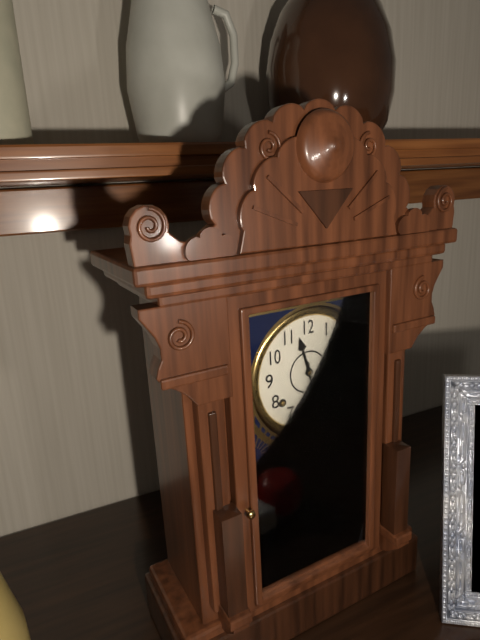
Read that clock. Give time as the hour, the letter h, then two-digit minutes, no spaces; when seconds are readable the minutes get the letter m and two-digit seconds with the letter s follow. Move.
11h28
